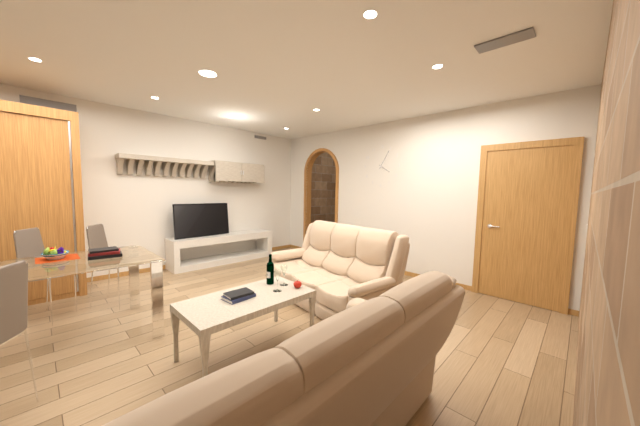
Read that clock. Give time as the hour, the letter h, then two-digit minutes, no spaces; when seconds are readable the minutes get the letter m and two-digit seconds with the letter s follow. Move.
4h05
